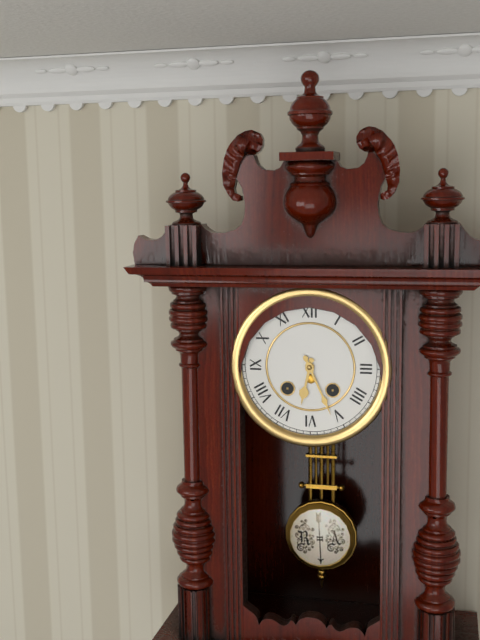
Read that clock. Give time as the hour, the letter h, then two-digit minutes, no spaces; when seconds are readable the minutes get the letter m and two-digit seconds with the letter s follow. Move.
6h26
